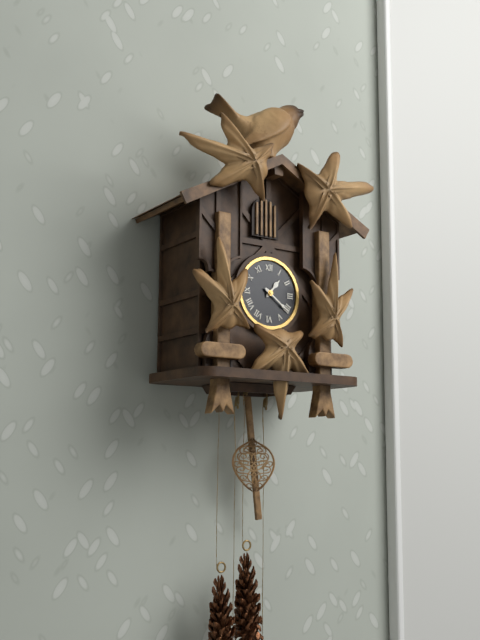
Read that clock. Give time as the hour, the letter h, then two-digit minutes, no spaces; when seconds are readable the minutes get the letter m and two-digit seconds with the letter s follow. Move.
1h21
